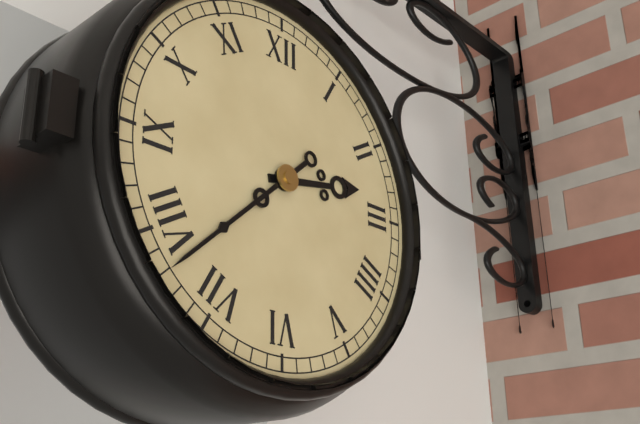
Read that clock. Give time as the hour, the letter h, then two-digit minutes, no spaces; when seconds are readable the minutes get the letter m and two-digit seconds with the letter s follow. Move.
2h38
